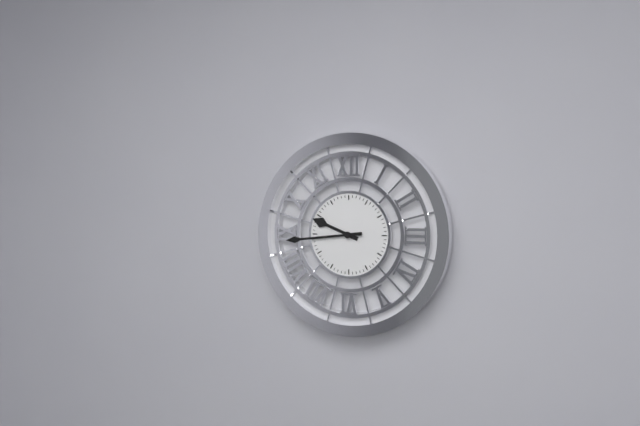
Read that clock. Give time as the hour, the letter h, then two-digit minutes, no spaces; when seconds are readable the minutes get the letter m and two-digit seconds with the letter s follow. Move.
9h44
